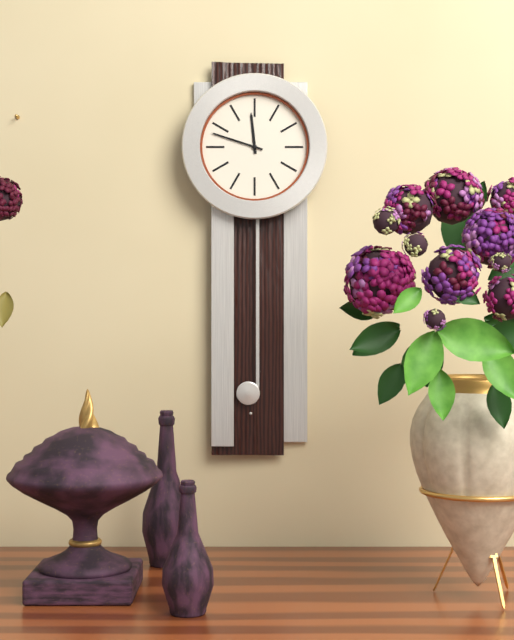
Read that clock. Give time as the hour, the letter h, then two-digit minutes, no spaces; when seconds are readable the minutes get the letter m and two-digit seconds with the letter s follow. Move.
11h48
